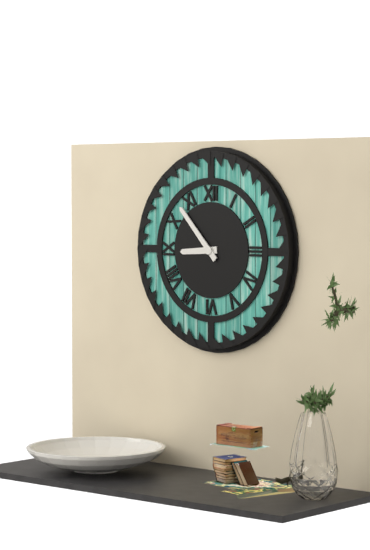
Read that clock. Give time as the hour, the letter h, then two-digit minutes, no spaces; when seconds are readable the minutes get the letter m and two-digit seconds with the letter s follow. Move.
8h53
